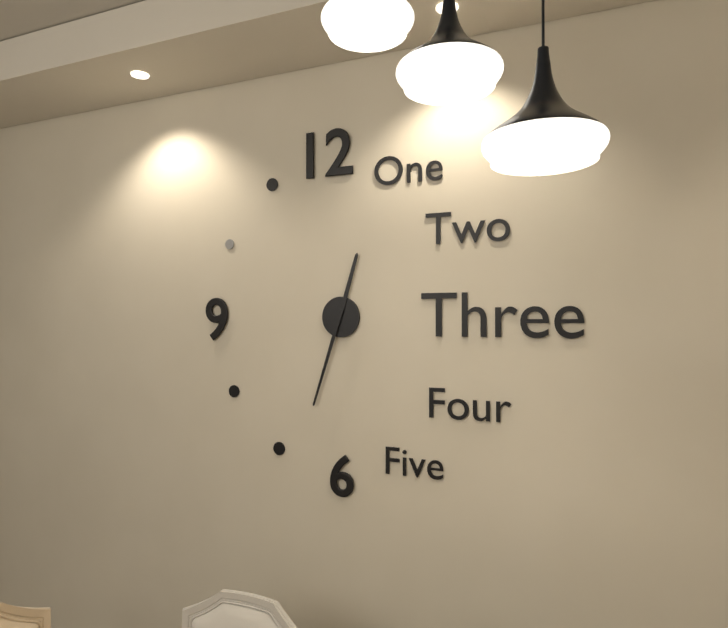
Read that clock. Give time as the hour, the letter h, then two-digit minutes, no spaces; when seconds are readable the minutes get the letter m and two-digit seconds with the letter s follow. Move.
12h33
